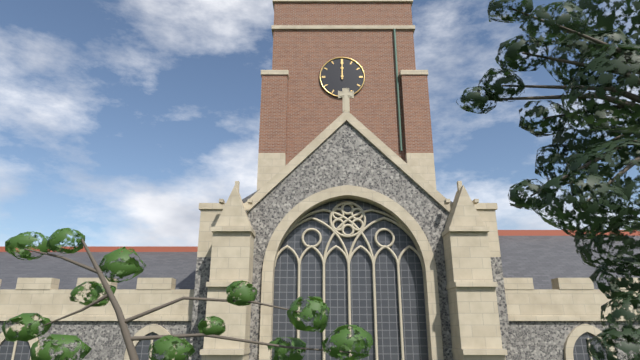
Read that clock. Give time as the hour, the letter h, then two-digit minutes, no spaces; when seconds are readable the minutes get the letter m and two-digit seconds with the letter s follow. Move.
12h00
